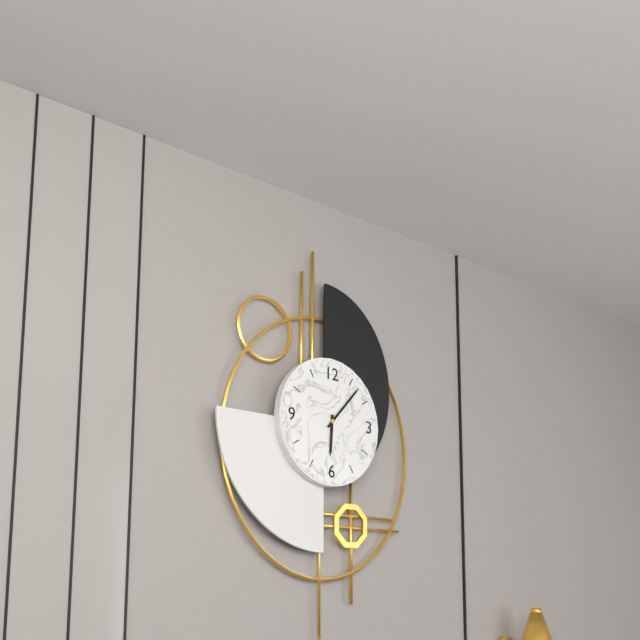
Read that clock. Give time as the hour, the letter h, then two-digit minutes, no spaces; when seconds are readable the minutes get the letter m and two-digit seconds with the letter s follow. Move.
6h07
